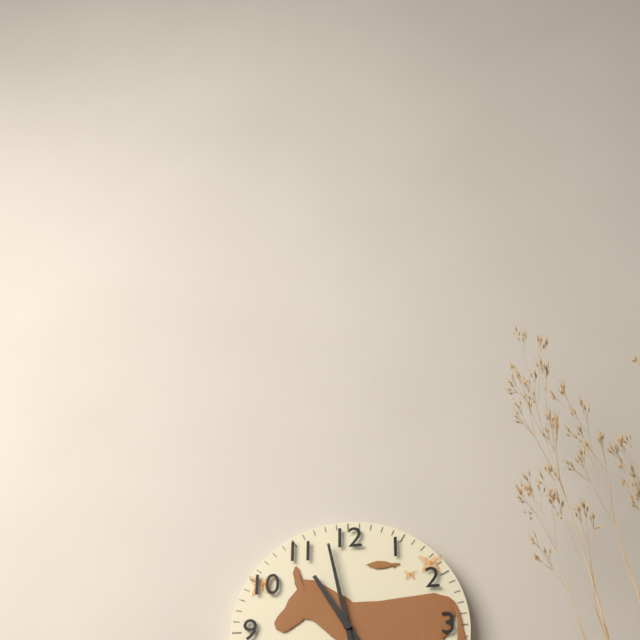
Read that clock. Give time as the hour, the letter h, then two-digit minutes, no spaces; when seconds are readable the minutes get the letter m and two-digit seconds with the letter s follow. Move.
10h58
